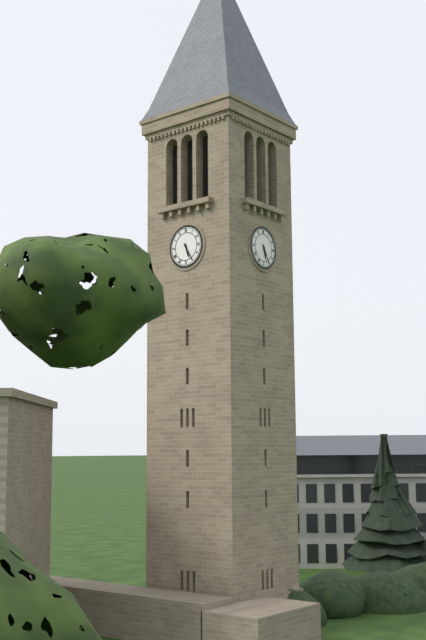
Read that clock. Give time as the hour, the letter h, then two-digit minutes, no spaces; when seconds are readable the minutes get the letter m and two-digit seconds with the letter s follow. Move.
5h25
